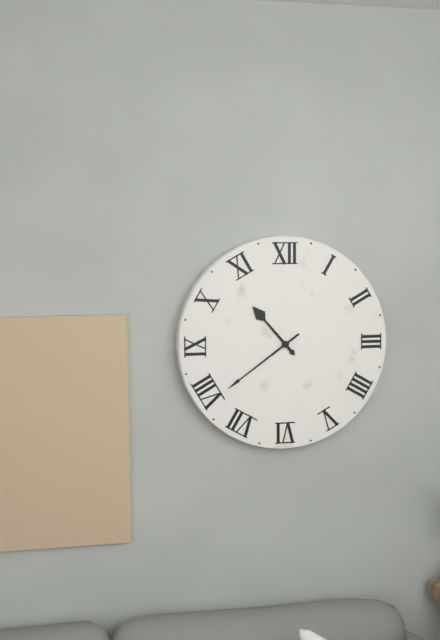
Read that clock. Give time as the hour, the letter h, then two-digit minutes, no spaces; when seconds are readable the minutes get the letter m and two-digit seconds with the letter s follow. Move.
10h39
